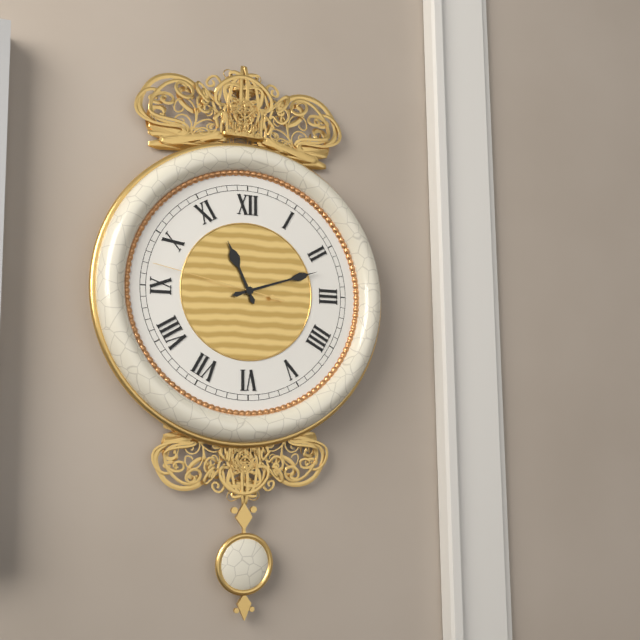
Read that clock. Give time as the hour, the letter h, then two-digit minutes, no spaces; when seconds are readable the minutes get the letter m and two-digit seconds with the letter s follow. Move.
11h12m47s
